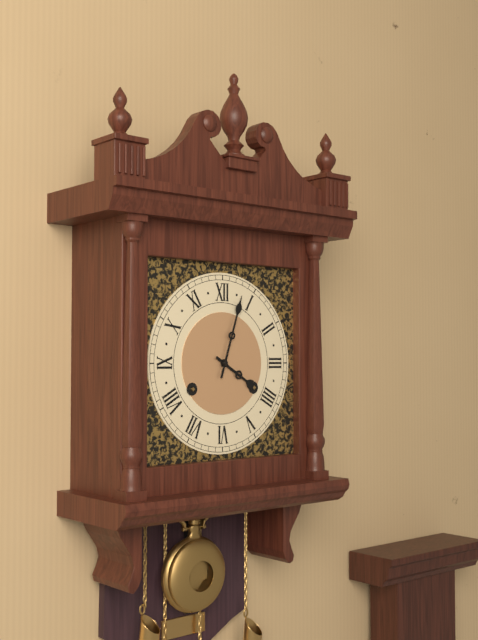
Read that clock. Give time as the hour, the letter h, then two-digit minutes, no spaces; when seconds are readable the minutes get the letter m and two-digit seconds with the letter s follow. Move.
4h03
